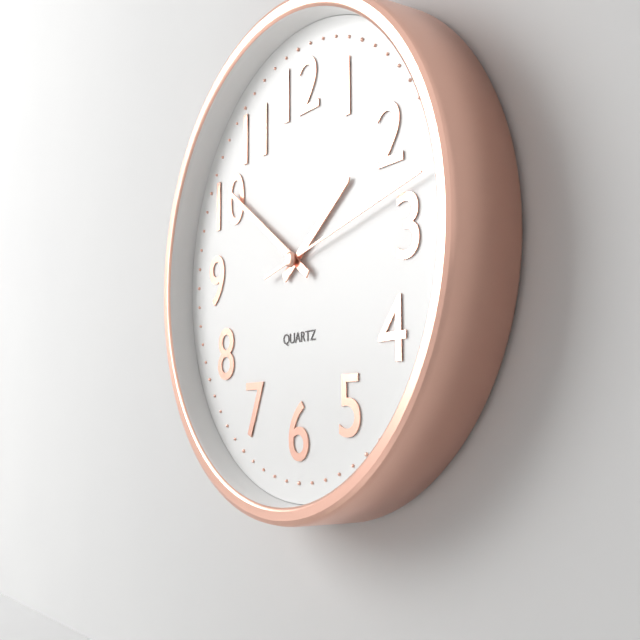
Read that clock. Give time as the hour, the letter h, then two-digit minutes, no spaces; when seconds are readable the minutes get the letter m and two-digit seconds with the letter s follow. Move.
1h51m13s
